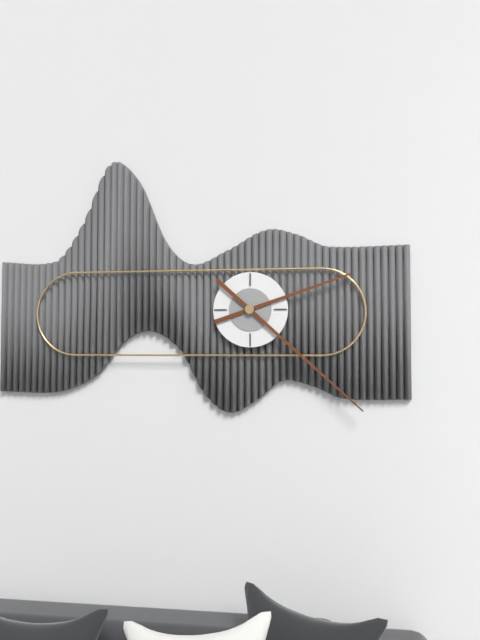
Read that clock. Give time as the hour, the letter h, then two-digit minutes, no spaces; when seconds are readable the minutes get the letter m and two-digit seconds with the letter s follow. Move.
2h22
